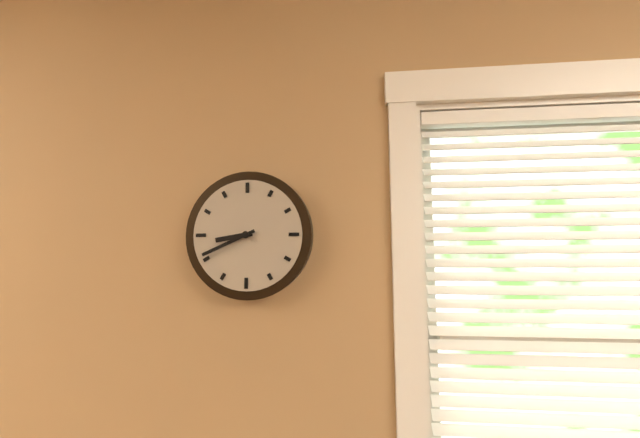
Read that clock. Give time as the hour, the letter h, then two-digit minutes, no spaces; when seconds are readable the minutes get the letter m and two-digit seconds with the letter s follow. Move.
8h41
